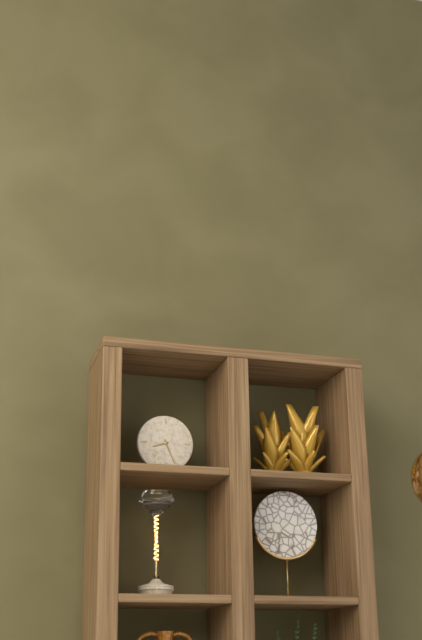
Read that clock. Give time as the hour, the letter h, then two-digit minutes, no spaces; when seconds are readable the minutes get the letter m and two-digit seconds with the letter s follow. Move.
8h26
